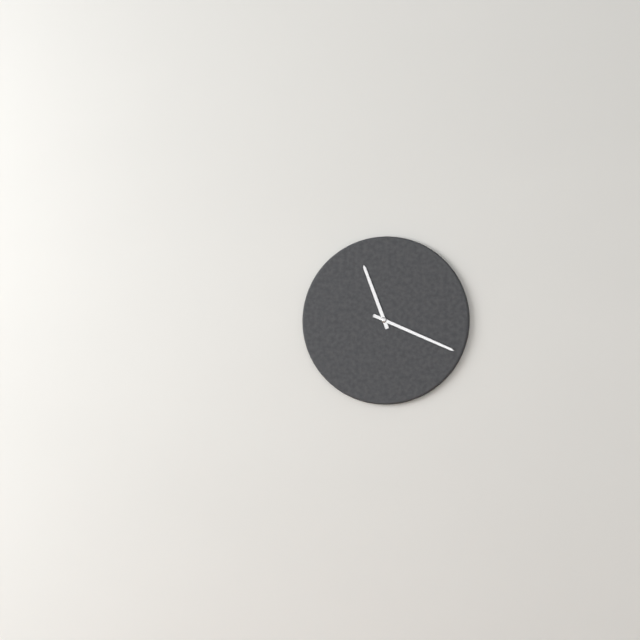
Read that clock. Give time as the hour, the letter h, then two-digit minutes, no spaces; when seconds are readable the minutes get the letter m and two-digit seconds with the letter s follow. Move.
11h19
